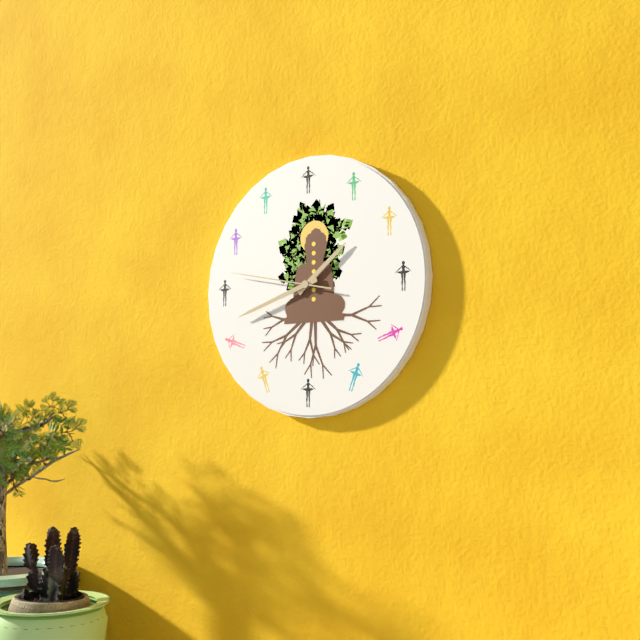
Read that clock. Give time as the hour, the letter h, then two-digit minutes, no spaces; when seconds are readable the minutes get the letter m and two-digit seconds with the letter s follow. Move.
1h42m47s
